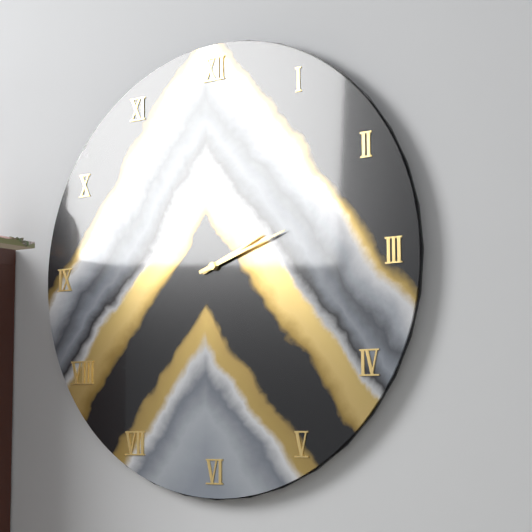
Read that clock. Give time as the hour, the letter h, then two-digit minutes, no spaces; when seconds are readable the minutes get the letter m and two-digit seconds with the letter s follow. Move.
2h12
